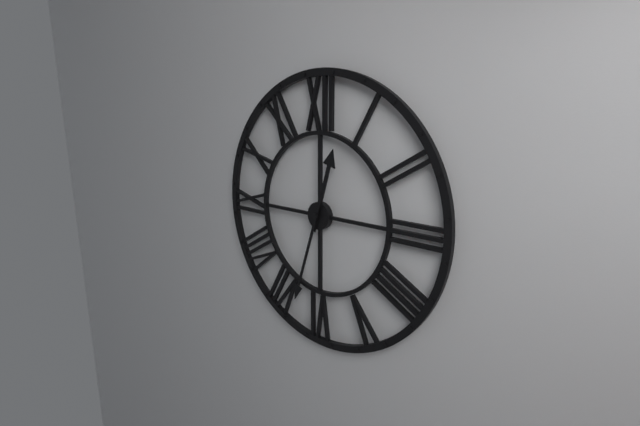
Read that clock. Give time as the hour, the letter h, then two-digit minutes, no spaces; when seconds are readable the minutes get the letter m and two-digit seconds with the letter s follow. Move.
12h33
